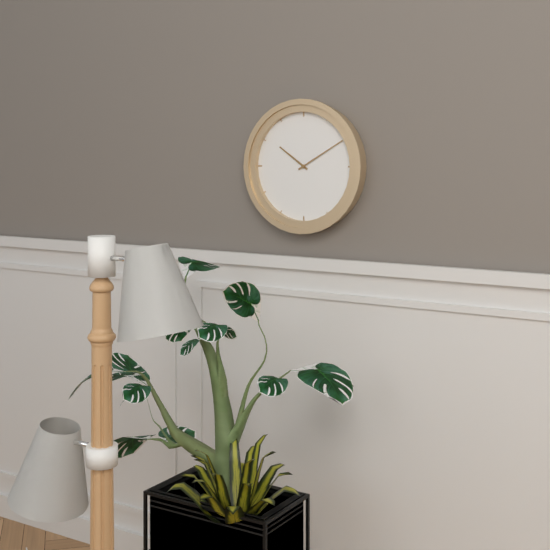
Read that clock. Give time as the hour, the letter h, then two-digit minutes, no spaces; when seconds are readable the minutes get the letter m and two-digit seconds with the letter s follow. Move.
10h10
